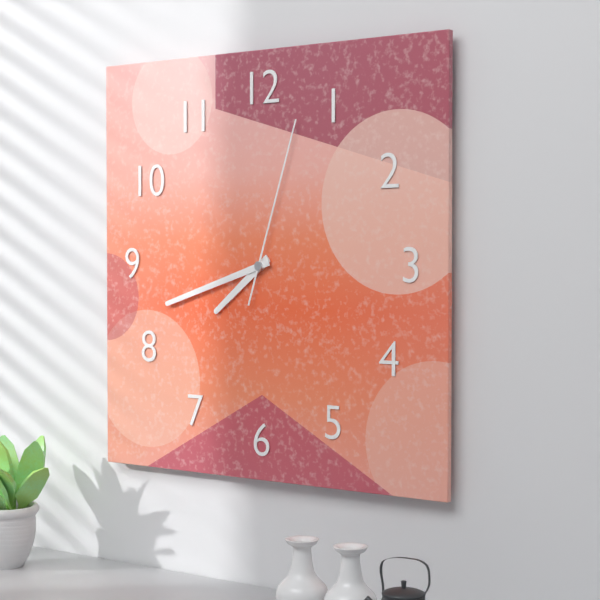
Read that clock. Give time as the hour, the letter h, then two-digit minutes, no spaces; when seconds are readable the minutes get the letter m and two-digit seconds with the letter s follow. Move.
7h42m03s
